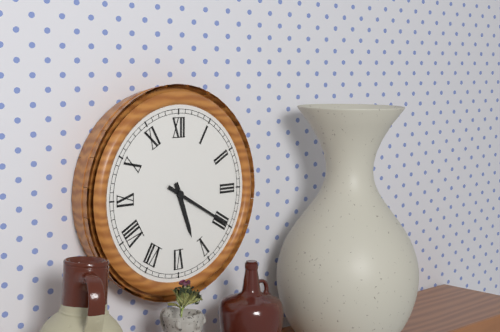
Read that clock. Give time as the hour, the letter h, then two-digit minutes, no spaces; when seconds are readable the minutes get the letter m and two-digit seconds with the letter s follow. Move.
5h20
